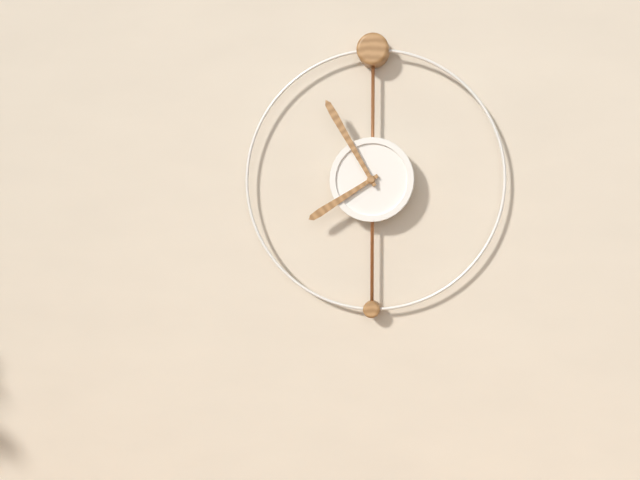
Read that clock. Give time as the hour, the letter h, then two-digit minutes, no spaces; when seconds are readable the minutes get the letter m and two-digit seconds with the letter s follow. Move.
7h55
